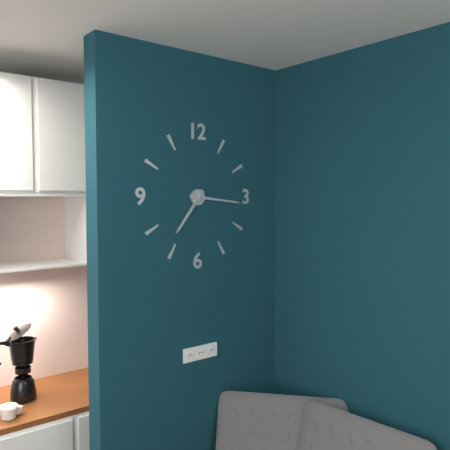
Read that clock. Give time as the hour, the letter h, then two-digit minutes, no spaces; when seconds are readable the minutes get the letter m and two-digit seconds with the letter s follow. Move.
7h16
